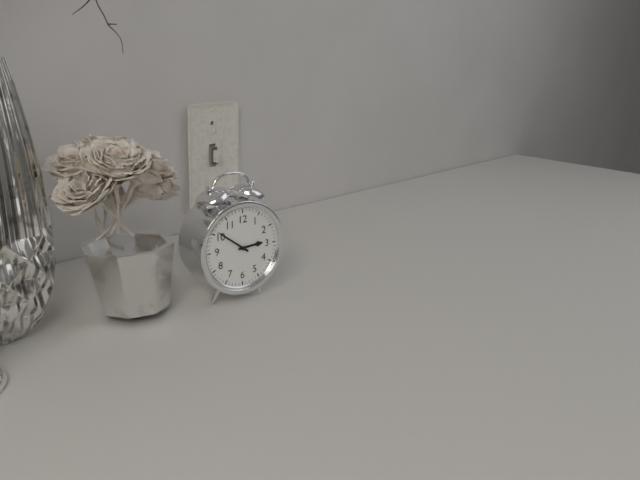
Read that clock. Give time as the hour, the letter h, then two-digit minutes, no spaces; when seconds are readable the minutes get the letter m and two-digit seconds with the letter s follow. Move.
2h51
